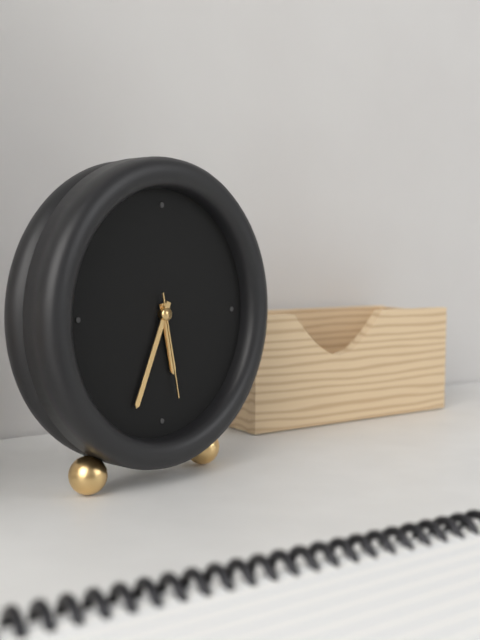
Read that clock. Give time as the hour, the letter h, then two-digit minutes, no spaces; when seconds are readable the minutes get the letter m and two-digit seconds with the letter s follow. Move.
5h34m28s
